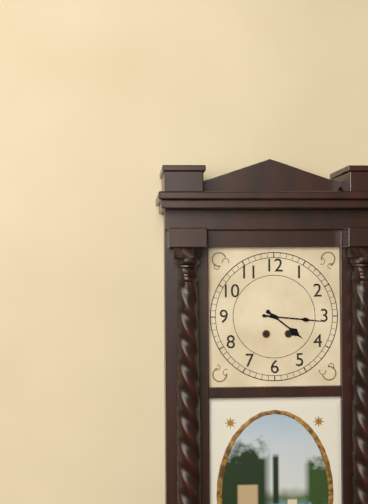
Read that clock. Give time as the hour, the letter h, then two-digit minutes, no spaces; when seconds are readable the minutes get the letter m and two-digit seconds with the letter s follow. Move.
4h16
